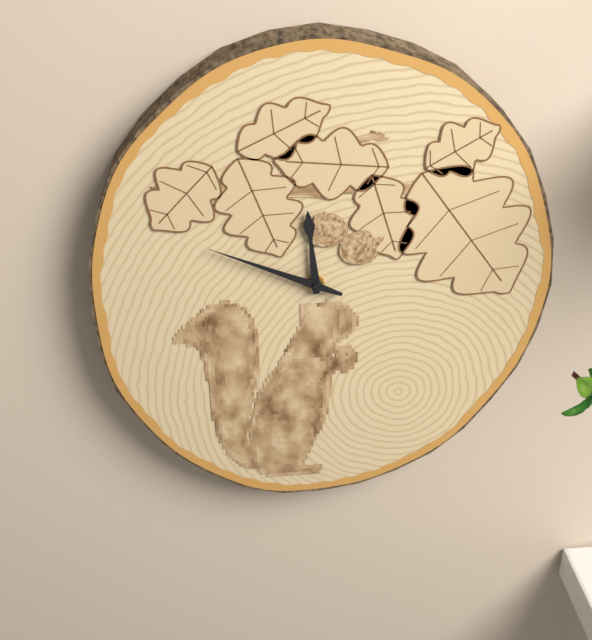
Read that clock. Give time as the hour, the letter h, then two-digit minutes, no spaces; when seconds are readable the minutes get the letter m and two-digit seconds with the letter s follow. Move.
11h49
